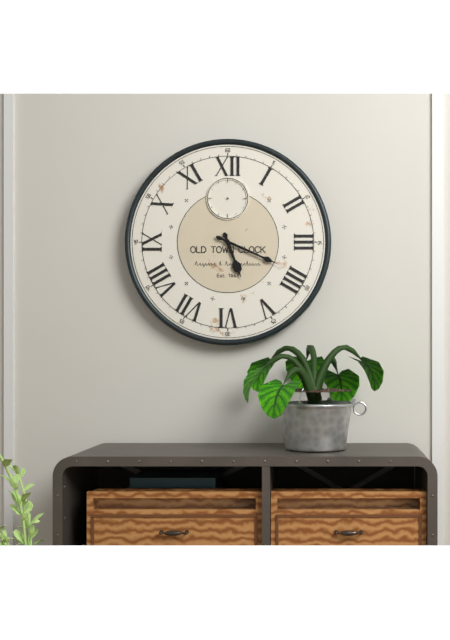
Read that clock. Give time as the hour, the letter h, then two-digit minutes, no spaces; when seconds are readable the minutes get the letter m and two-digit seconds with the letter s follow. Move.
5h19
